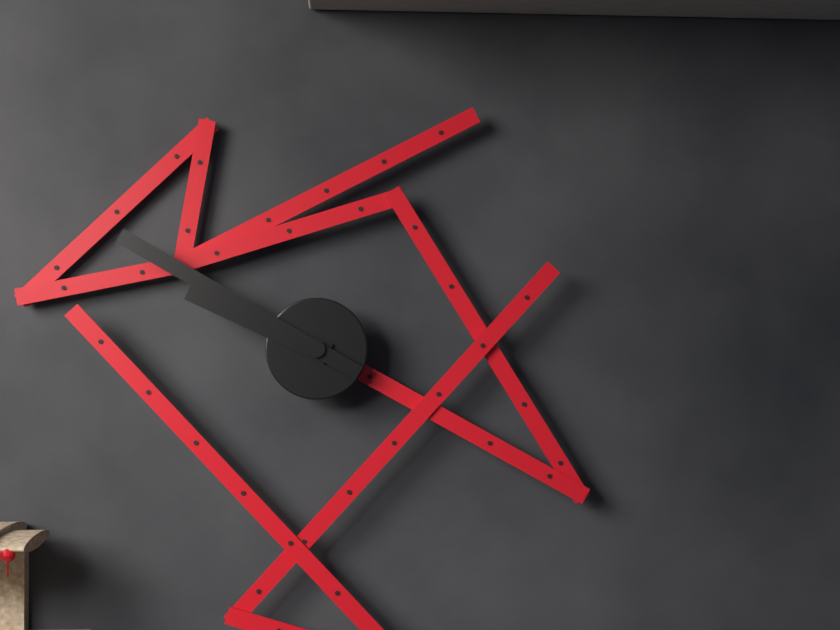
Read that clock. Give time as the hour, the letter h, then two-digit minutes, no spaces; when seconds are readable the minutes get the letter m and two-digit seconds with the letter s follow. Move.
9h50
